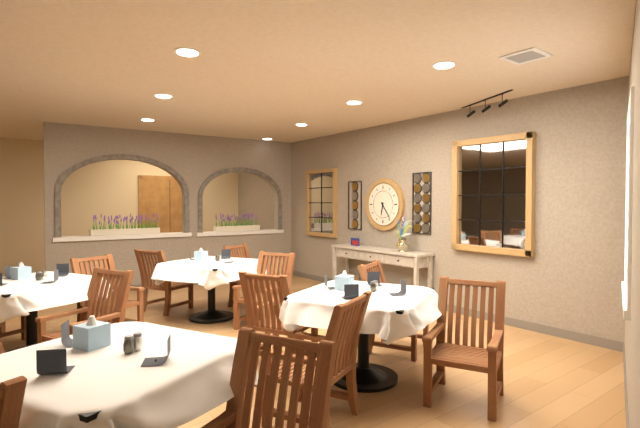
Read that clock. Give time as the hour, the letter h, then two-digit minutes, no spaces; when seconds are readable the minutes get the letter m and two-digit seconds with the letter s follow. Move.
6h24
